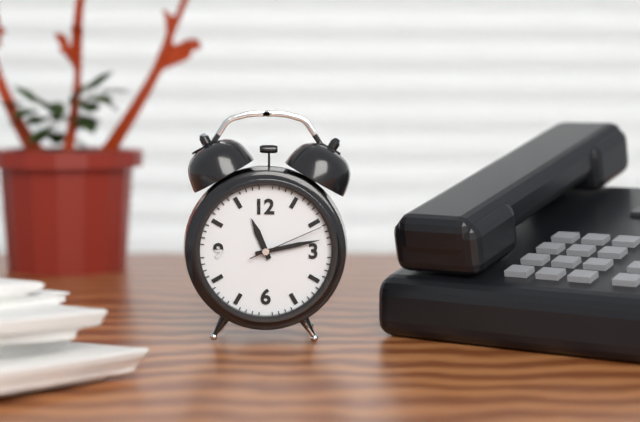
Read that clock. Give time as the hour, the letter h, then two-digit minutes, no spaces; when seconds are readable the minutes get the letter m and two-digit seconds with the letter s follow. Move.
11h13m11s
